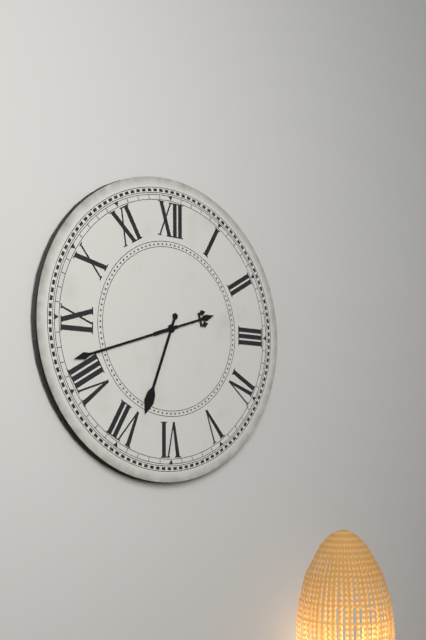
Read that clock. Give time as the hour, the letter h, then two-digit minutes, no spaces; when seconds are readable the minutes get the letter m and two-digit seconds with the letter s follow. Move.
6h42
